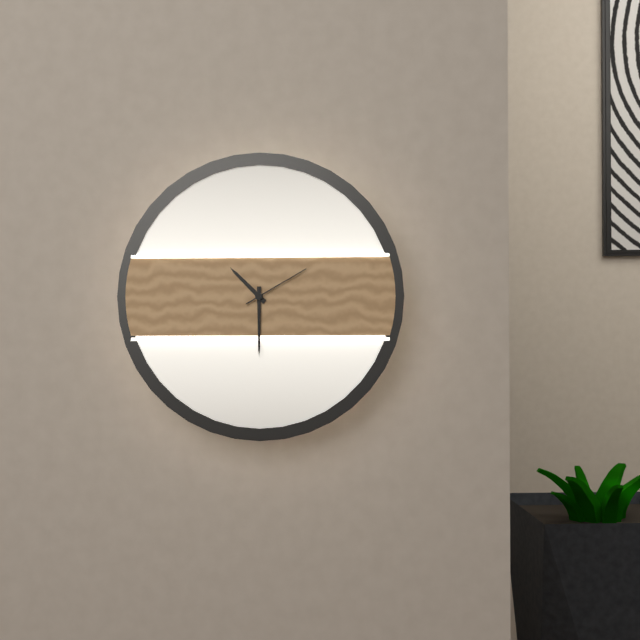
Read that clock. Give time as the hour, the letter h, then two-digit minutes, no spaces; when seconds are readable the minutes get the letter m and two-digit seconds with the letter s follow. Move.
10h30m10s
